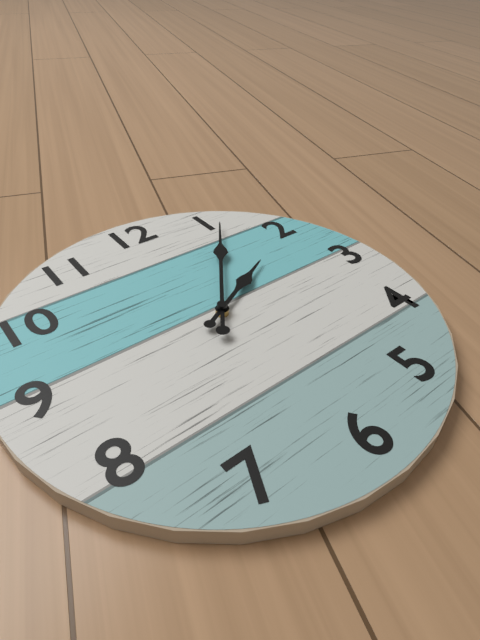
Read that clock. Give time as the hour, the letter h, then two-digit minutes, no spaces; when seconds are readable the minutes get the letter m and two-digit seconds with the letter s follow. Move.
2h06
